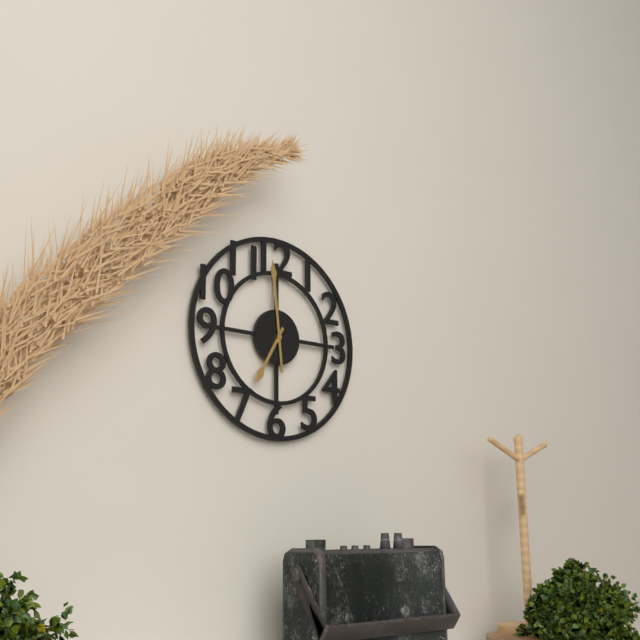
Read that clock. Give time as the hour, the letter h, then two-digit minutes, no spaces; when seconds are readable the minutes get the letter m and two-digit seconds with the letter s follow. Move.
6h59
